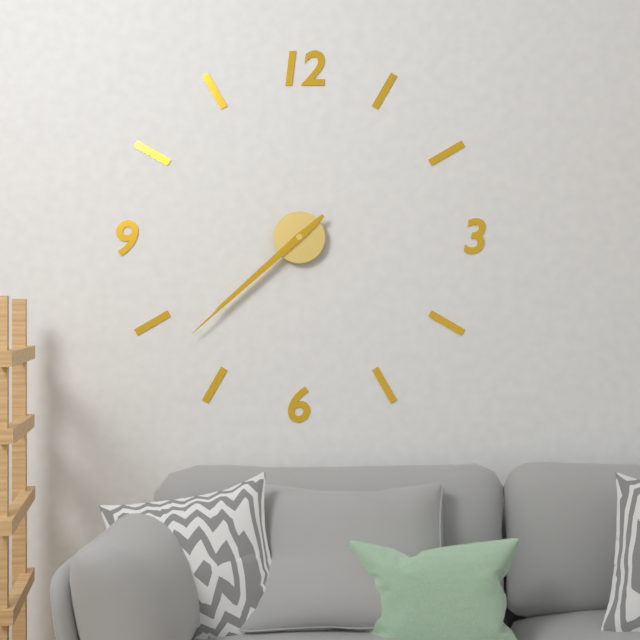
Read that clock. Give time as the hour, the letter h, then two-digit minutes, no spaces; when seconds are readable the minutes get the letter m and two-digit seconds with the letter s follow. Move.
7h38
